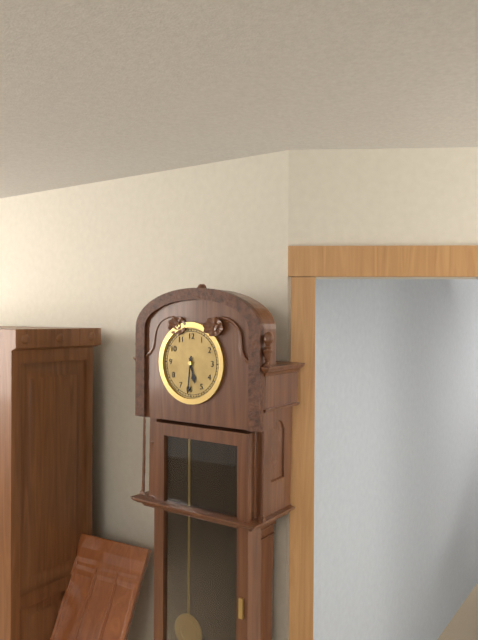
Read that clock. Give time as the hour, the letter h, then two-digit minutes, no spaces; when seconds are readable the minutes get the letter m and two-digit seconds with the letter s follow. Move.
5h31
